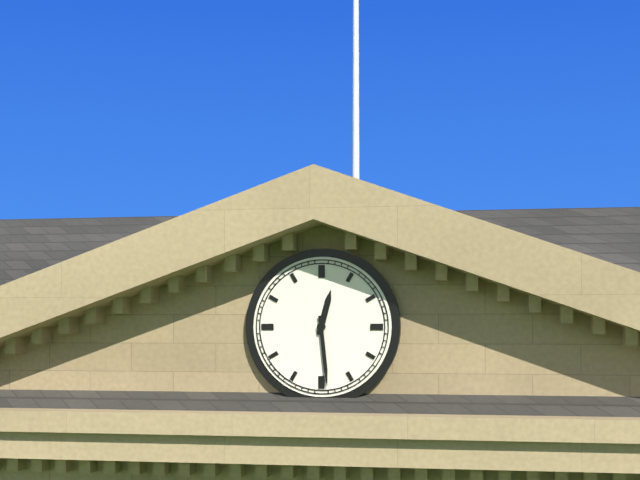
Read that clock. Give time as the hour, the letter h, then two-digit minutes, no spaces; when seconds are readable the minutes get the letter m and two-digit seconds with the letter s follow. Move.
12h29
